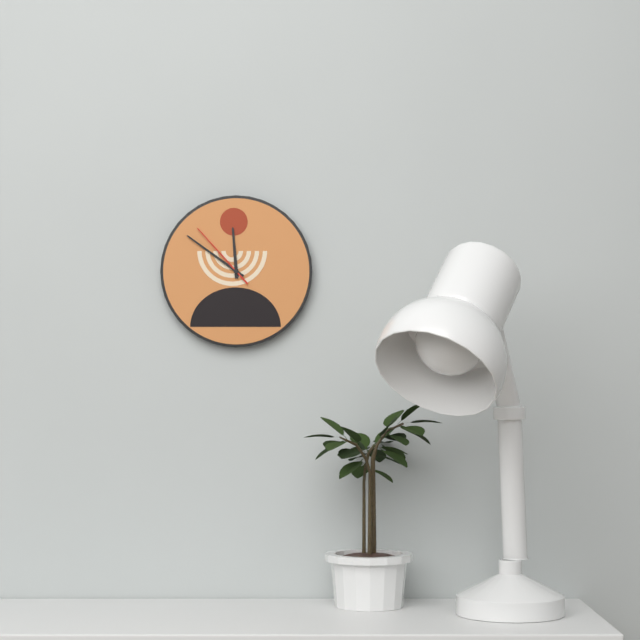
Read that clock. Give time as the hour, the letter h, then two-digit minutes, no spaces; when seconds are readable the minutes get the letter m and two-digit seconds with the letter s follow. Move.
11h51m53s
